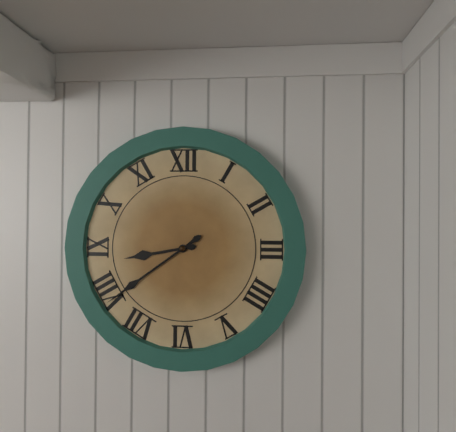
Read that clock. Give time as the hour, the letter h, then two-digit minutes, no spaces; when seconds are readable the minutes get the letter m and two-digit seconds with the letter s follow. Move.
8h39
